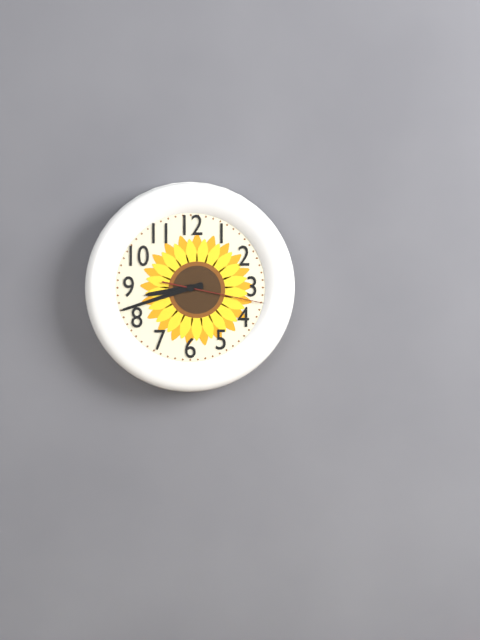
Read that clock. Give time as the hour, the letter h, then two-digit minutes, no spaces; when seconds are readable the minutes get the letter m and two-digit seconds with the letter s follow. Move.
8h42m17s
